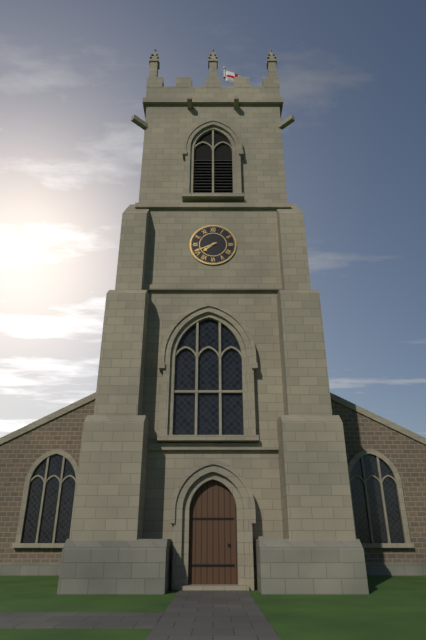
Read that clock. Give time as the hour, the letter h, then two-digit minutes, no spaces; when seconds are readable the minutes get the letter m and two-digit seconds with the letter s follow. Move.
7h41
